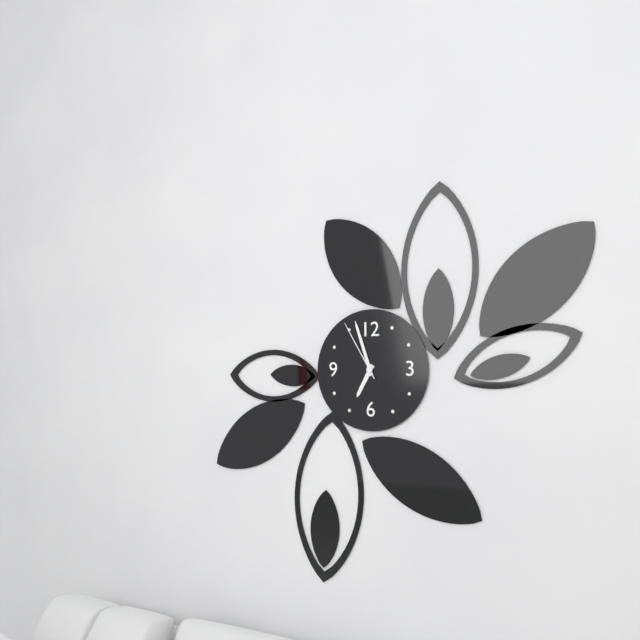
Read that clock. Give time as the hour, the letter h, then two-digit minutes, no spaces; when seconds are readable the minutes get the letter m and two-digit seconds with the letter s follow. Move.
6h57m55s
